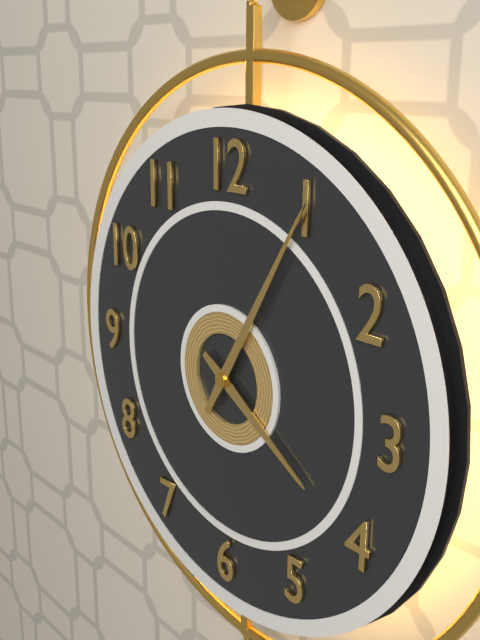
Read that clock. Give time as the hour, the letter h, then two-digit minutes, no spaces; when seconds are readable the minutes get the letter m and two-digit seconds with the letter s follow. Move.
4h05
